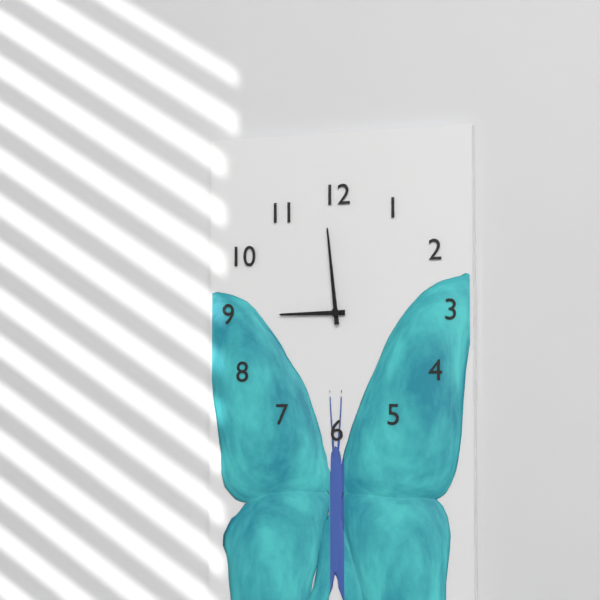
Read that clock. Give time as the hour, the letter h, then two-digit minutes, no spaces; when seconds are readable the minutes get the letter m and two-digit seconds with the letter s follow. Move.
8h59
